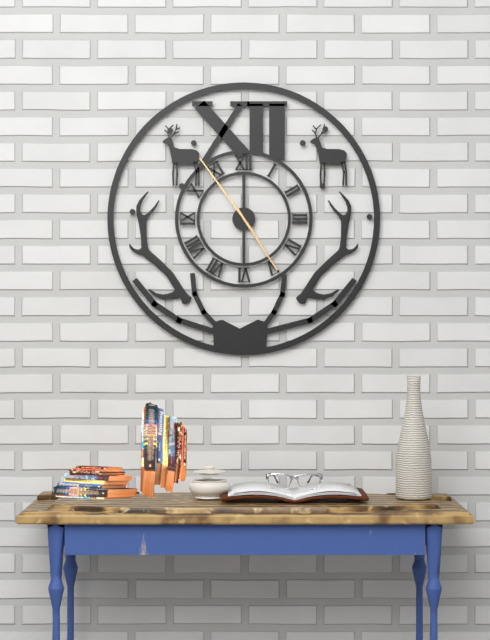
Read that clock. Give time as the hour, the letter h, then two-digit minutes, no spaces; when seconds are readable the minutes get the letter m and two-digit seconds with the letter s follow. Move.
4h54
